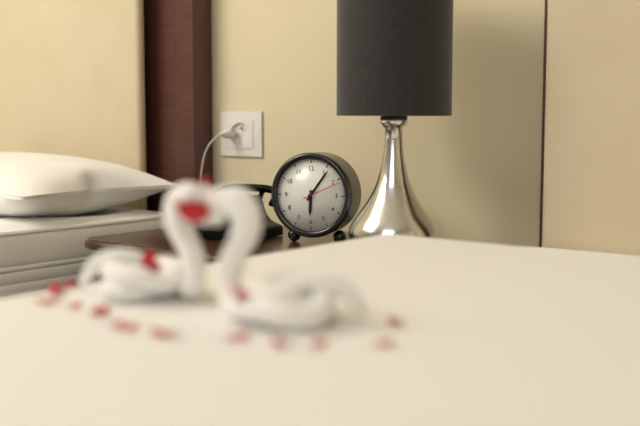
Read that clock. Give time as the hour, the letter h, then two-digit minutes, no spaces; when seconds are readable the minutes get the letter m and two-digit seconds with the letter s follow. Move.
6h06
